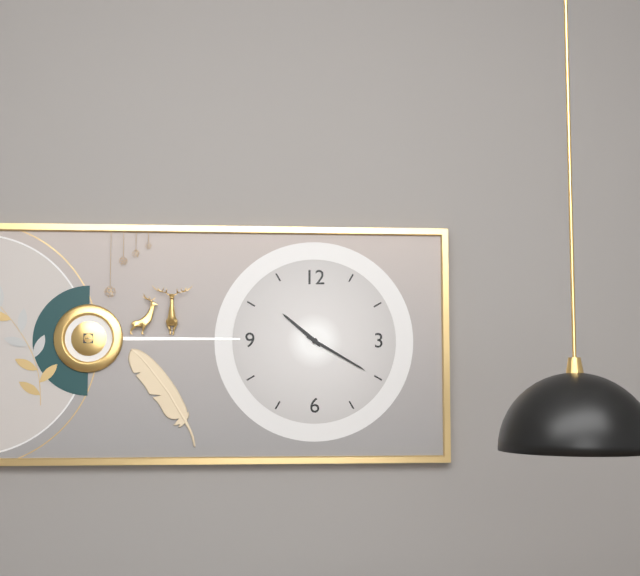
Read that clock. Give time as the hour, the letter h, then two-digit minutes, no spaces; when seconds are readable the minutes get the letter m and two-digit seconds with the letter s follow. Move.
10h20
